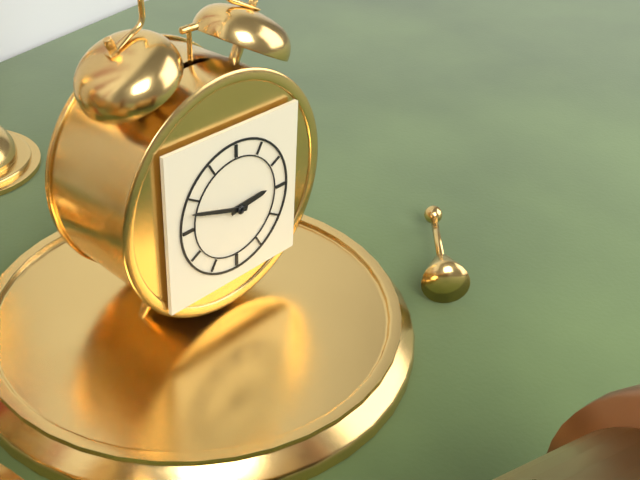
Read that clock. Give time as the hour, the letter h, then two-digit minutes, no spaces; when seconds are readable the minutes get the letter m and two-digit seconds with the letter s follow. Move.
2h48
